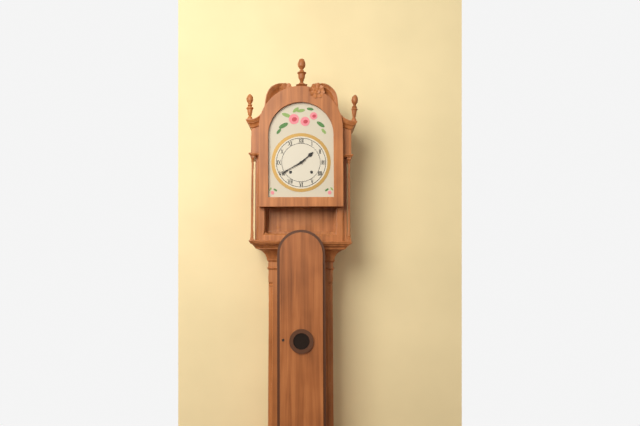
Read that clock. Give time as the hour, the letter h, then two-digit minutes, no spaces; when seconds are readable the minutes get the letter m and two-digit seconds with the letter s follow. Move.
1h40
